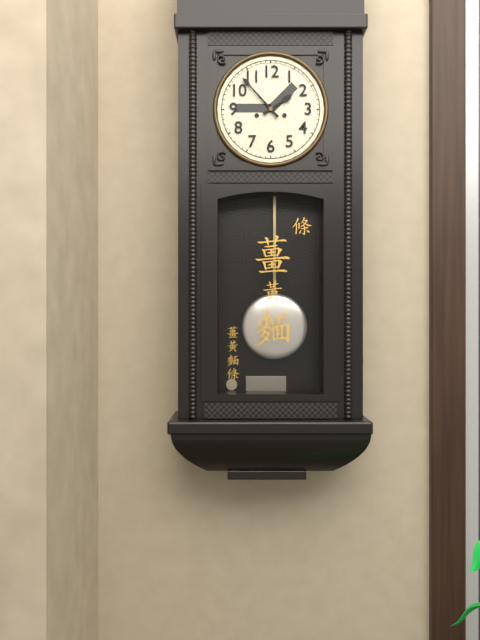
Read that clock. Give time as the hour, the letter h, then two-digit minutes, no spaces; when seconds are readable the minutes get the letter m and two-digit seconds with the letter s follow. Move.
1h53
